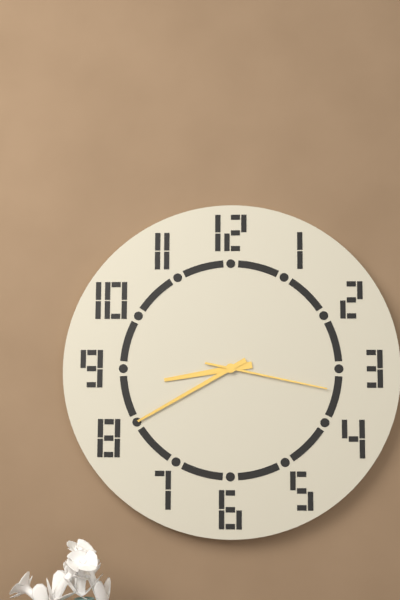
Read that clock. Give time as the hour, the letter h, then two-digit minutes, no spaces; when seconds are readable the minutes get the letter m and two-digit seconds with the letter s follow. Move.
8h40m17s
